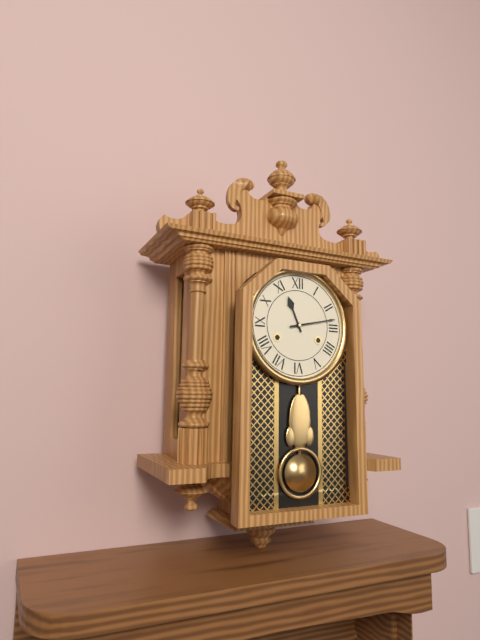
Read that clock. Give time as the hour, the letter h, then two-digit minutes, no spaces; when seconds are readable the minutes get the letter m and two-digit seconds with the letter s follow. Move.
11h13
